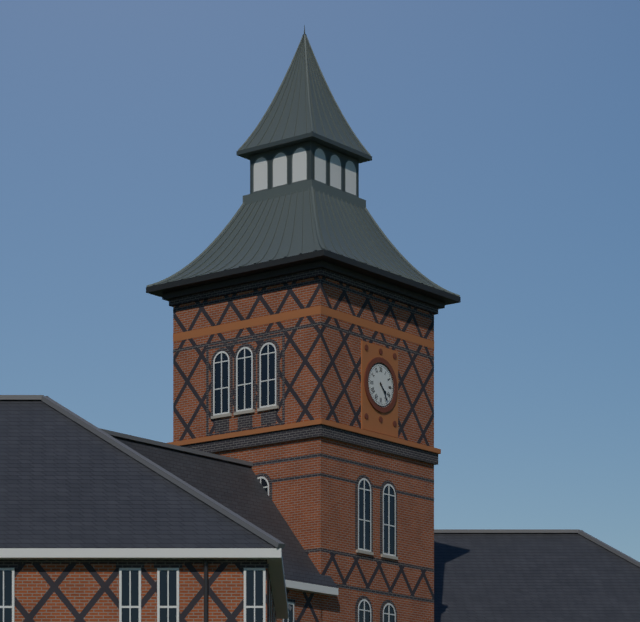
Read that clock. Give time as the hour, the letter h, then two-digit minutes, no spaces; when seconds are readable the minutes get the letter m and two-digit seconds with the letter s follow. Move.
4h24
